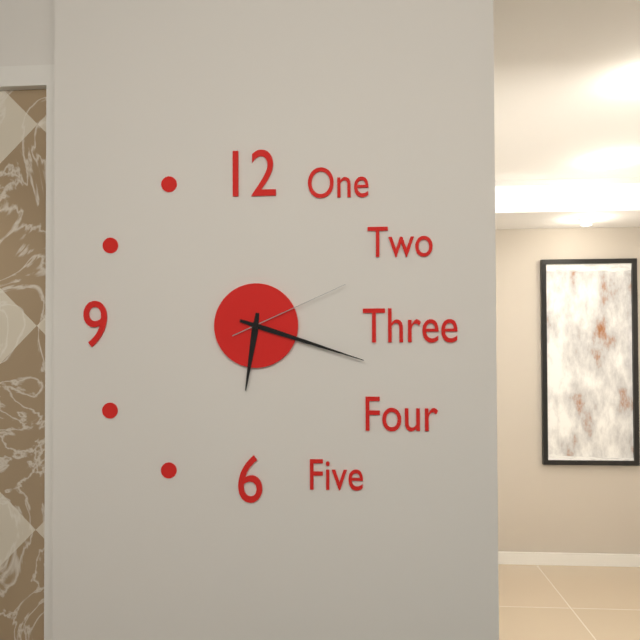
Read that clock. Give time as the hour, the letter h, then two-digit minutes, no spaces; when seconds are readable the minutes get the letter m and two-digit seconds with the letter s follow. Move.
6h18m11s
